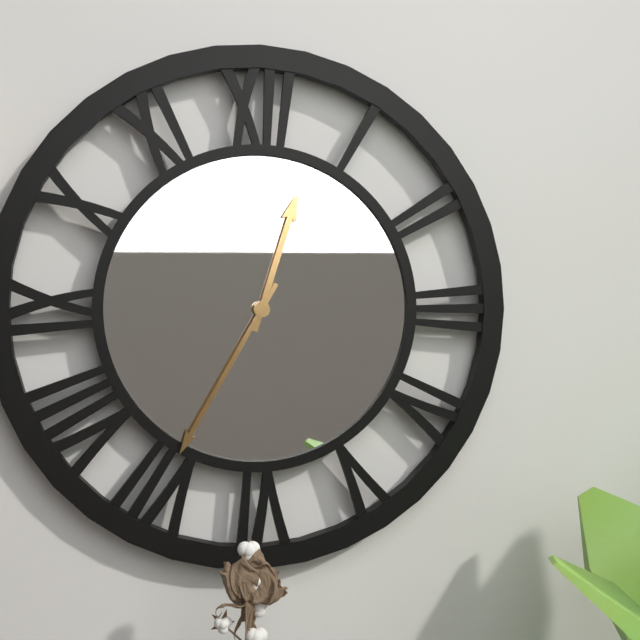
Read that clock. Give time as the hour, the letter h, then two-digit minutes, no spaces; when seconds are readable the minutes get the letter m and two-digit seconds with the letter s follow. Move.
12h35
